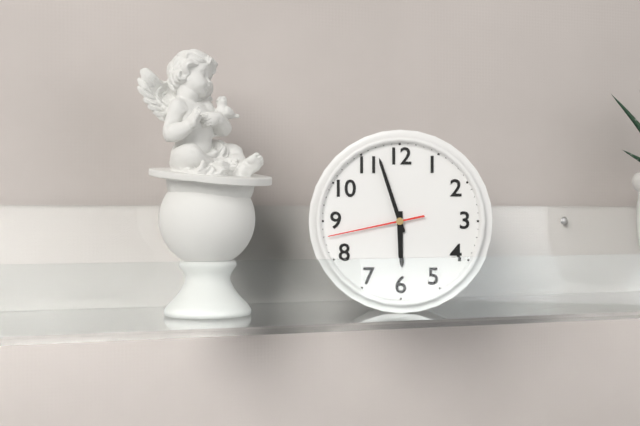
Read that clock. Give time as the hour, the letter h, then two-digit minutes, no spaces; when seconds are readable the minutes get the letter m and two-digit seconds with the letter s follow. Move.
5h57m43s
